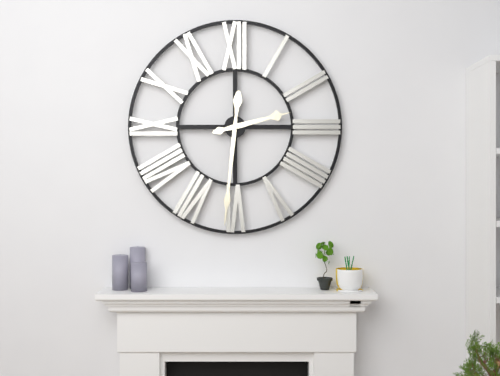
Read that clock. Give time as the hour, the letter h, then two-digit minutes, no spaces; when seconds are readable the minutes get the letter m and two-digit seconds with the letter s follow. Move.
2h31
